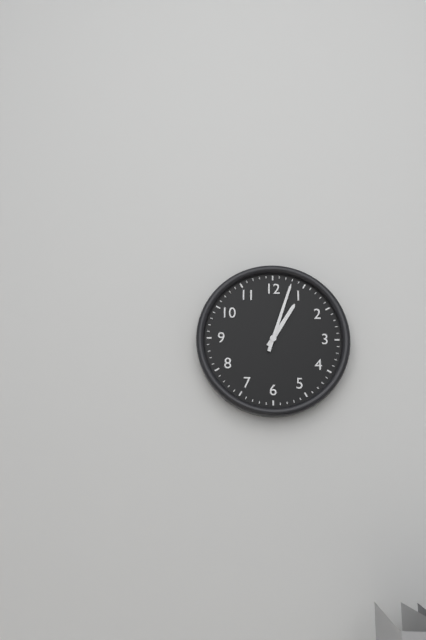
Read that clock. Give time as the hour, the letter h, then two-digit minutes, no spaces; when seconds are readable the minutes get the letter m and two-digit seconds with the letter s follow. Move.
1h03
